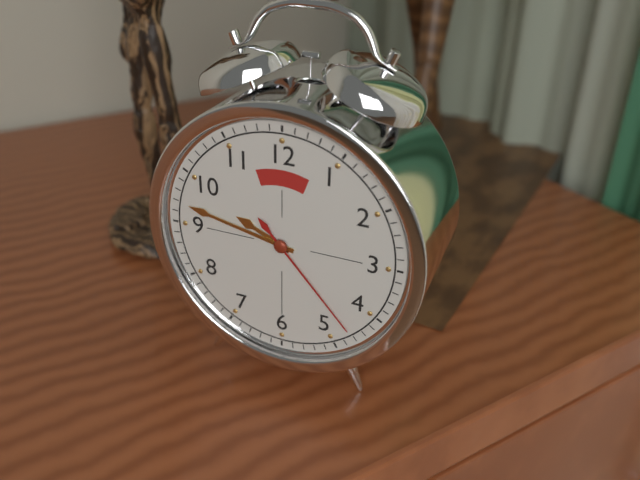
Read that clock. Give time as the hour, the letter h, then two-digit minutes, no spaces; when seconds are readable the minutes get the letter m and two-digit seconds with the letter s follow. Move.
9h47m23s
